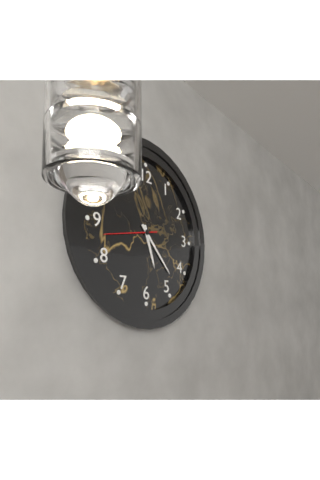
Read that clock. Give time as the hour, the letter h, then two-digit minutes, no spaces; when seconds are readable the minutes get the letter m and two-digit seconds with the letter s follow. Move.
5h23m43s
